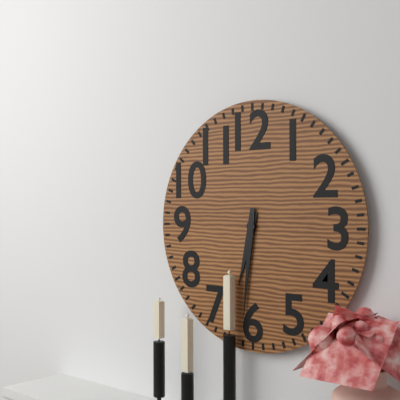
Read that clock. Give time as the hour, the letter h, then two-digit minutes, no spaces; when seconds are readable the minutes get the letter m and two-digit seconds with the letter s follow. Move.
6h31
